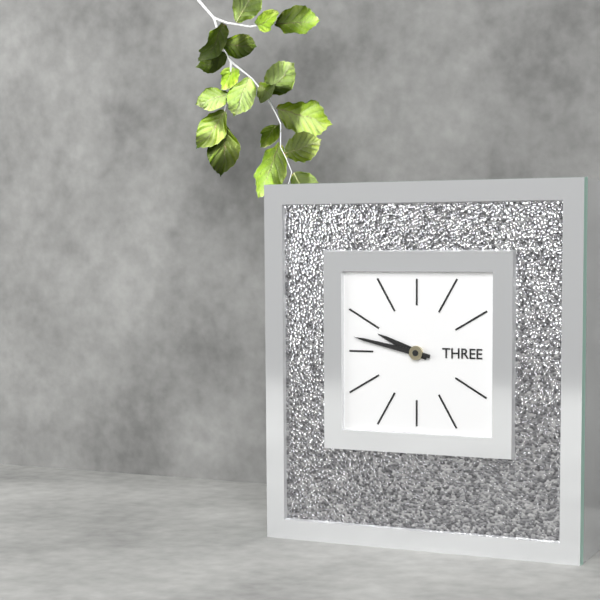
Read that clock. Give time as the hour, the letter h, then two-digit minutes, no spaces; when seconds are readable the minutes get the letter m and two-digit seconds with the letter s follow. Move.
9h47
